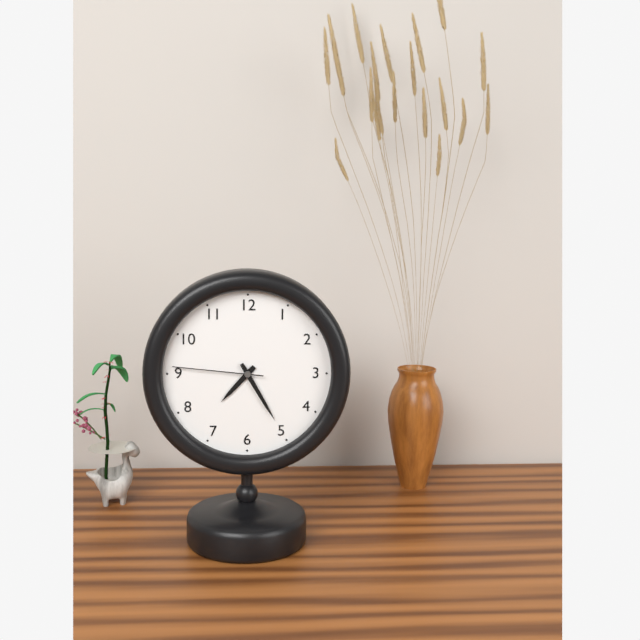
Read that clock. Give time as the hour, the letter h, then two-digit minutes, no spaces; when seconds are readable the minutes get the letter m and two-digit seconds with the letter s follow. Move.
7h25m46s
